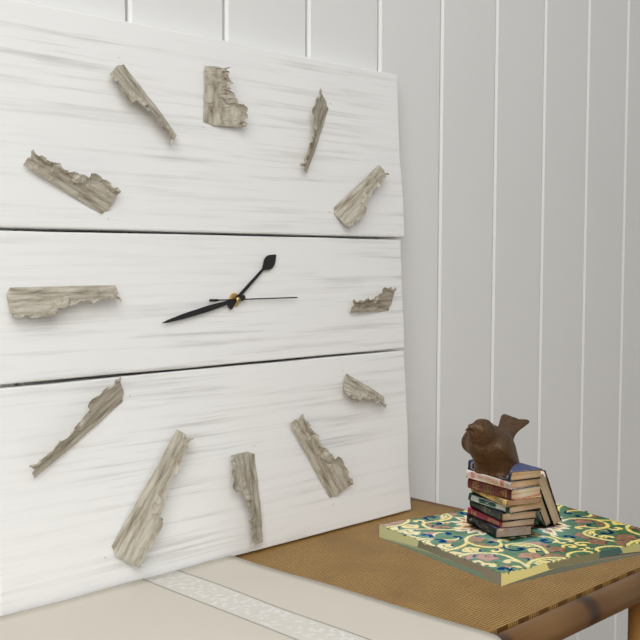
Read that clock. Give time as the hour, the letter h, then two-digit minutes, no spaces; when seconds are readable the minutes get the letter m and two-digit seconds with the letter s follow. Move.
1h43m15s
